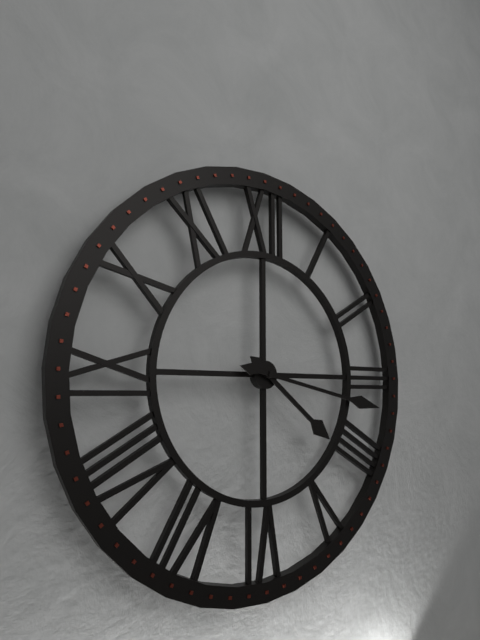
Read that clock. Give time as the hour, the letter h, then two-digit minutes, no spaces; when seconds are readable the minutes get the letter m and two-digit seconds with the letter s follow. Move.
4h17
